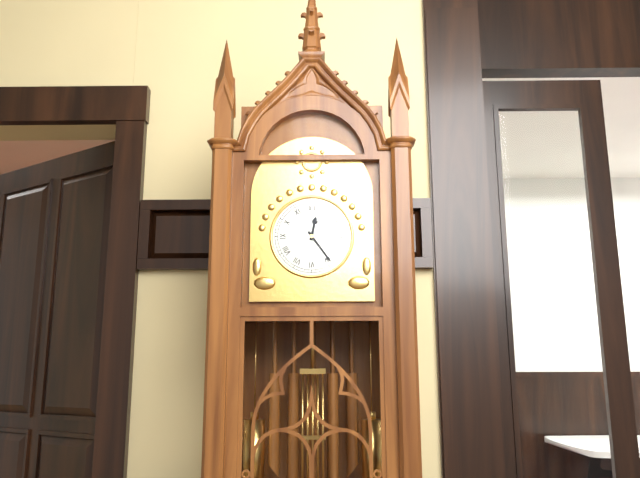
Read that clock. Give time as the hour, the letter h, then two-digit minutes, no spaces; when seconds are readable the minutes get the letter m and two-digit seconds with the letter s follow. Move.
12h24
